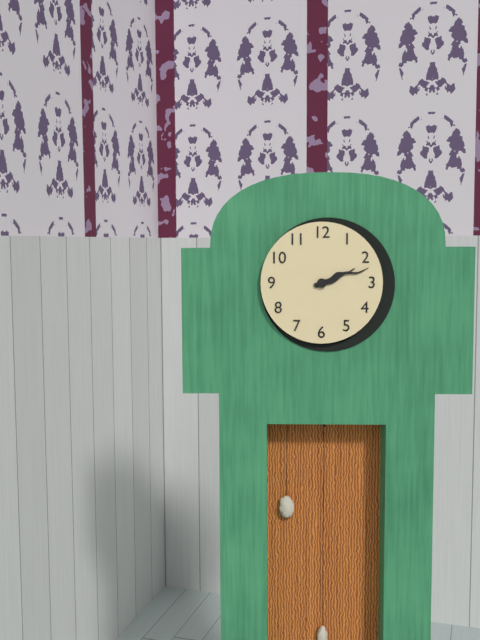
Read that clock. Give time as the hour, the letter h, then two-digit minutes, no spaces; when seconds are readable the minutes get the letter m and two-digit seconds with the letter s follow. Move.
2h12
